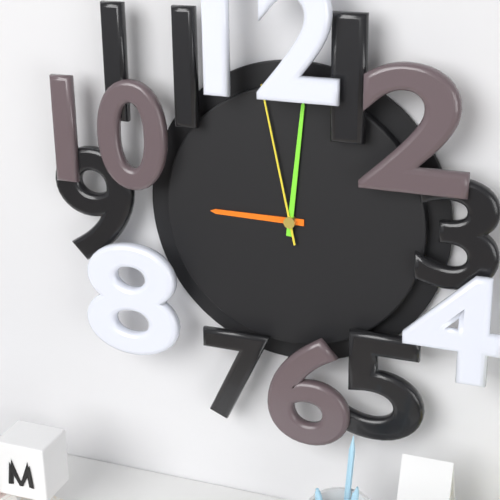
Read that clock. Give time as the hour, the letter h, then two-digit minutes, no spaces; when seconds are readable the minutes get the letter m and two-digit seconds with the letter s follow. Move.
9h01m58s
